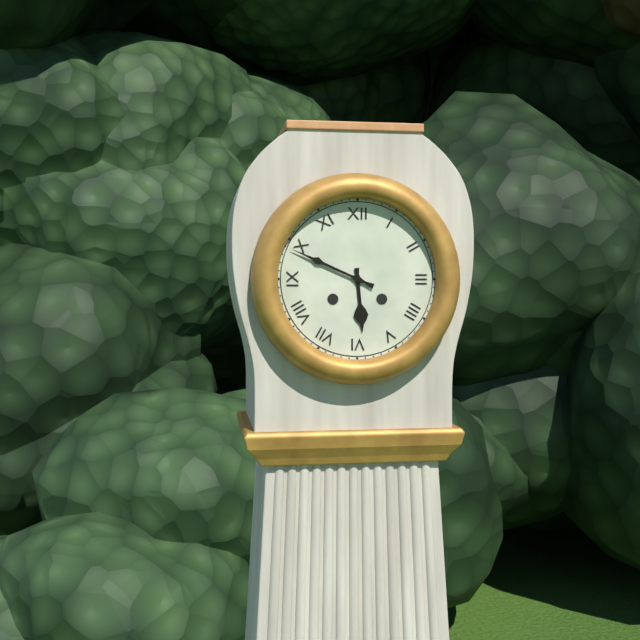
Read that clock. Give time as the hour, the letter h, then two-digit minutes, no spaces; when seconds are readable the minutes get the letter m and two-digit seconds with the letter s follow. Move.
5h49
